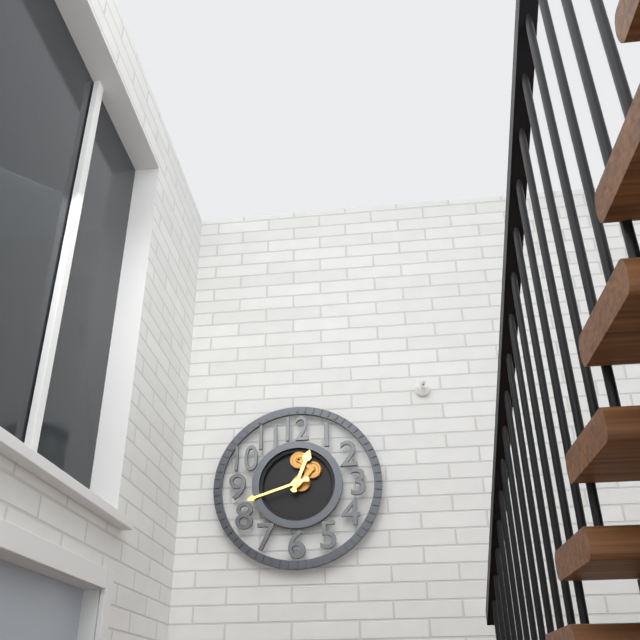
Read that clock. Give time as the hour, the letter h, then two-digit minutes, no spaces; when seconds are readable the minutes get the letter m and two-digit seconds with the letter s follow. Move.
12h42
